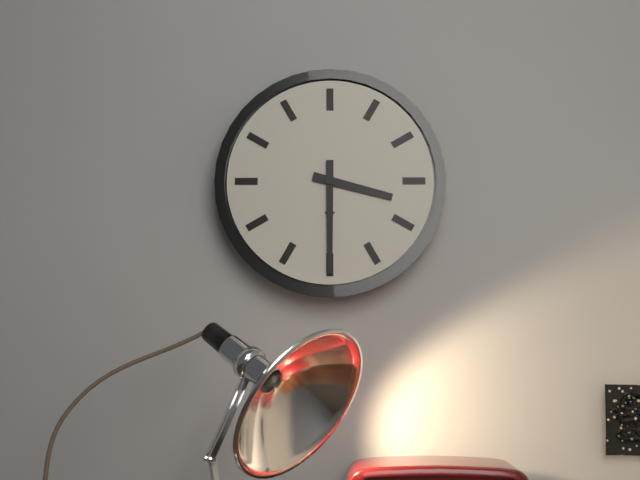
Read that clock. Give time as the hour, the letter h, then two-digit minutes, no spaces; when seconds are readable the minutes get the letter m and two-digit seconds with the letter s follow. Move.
3h30
